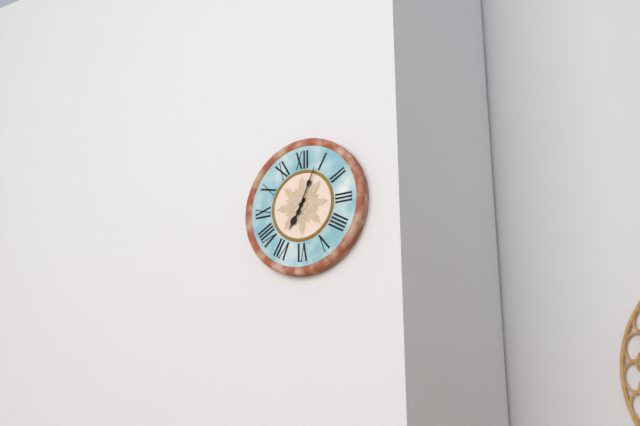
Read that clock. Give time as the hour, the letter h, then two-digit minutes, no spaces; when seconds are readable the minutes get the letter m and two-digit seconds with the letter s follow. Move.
7h04
